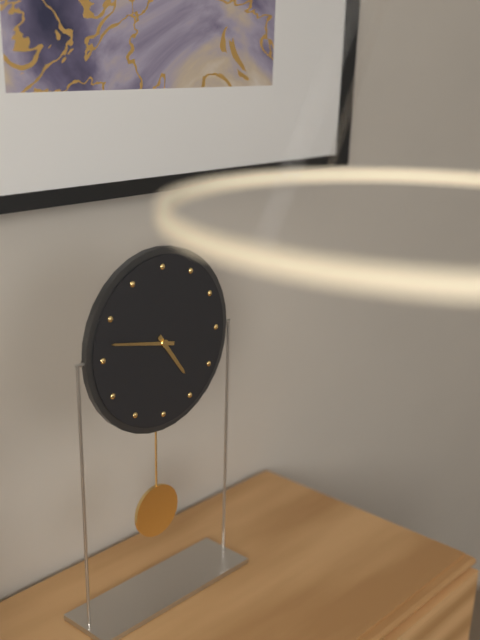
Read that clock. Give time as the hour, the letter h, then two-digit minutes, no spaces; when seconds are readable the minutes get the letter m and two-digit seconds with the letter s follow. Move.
4h47
